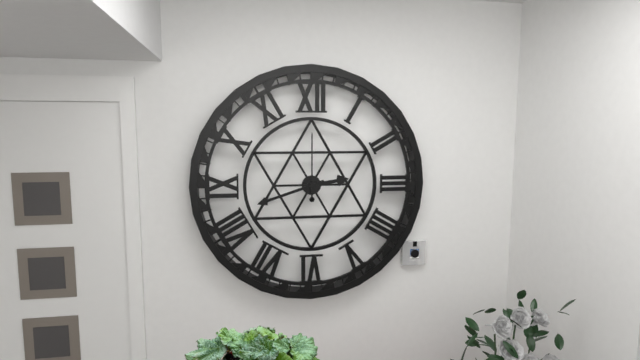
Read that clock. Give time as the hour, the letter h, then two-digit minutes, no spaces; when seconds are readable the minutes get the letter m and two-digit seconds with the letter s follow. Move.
2h42m00s
